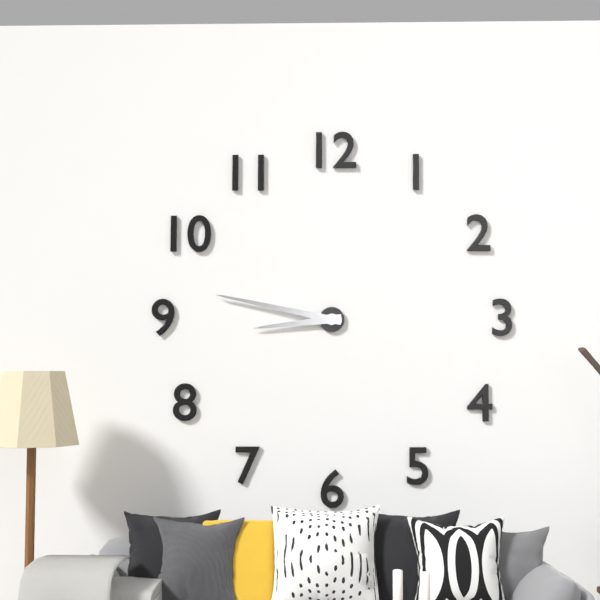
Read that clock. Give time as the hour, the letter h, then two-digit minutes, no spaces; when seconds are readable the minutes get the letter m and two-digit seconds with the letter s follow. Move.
8h47
